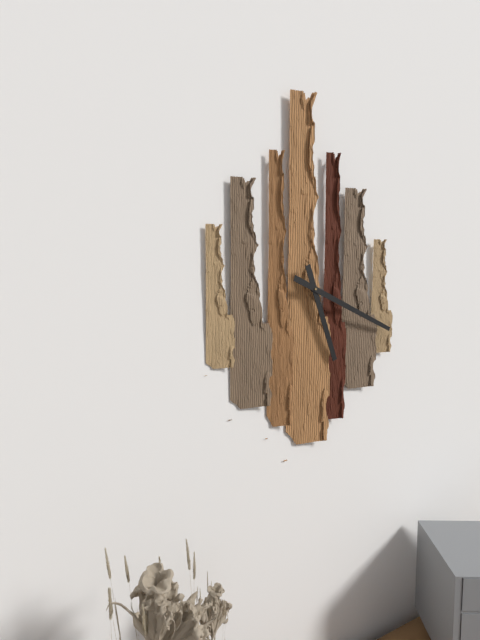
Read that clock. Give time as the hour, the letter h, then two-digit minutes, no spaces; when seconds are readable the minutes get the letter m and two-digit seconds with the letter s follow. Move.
5h19
